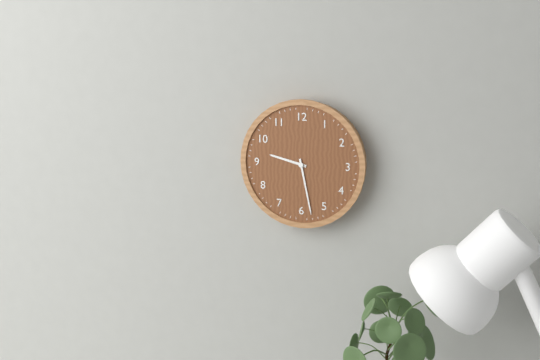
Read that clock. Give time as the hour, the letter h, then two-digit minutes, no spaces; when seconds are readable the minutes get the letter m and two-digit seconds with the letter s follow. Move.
9h28
